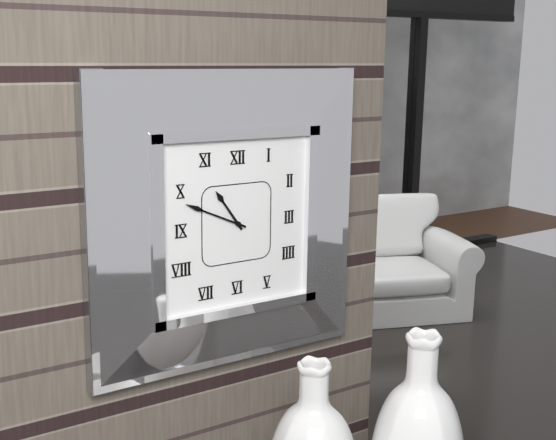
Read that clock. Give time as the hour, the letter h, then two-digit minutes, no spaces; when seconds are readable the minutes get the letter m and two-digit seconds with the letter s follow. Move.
10h49
